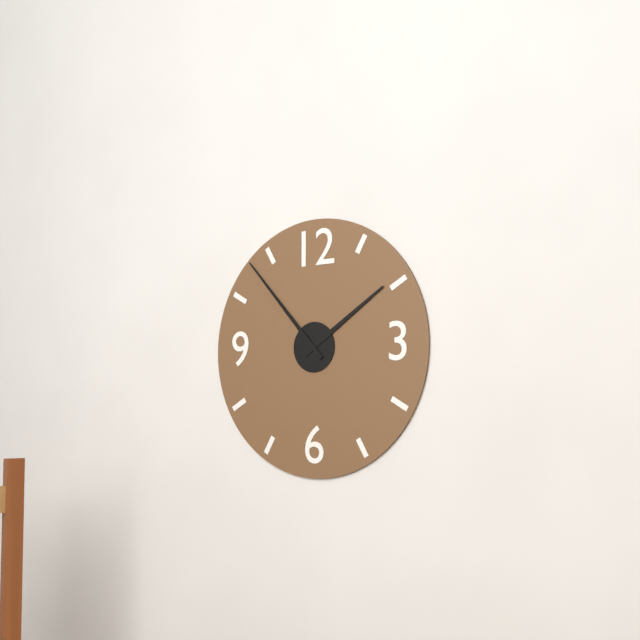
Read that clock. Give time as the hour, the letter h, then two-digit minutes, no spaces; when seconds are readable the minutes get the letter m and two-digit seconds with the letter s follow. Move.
1h53
